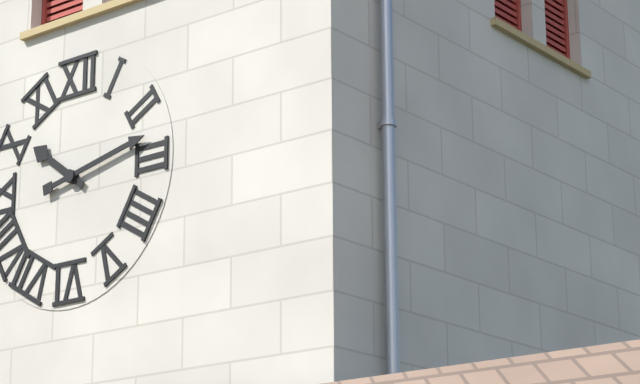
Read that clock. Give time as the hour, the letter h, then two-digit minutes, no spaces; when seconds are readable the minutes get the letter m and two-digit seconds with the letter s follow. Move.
10h13
